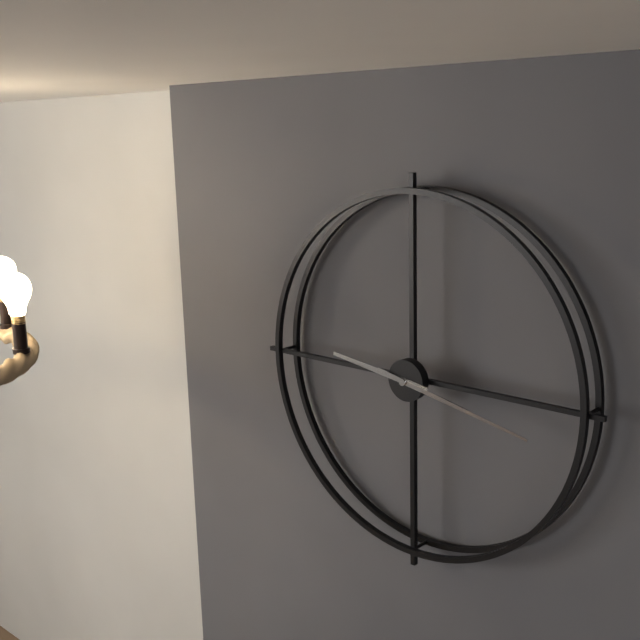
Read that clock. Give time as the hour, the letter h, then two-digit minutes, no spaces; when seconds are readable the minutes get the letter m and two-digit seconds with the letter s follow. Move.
9h17
